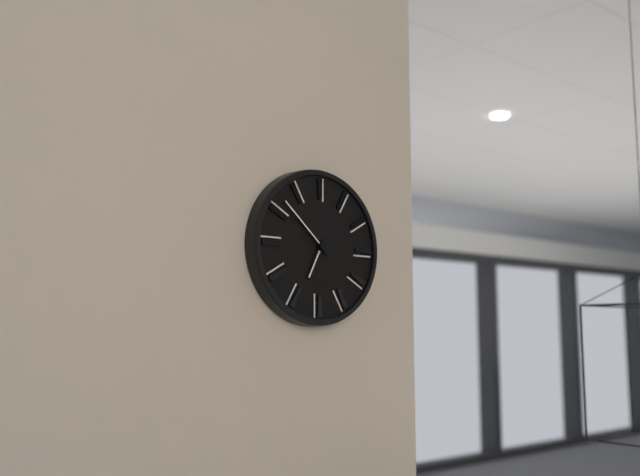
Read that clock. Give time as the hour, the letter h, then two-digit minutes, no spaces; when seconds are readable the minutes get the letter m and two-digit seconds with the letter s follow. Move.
6h52
